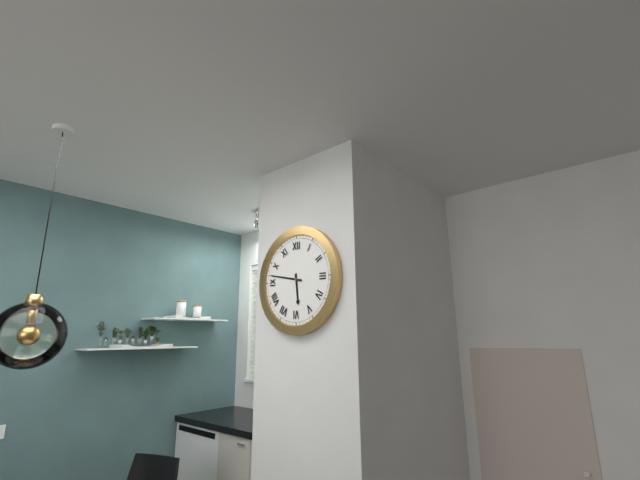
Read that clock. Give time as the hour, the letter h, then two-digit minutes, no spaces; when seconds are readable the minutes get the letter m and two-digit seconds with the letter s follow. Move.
5h47
